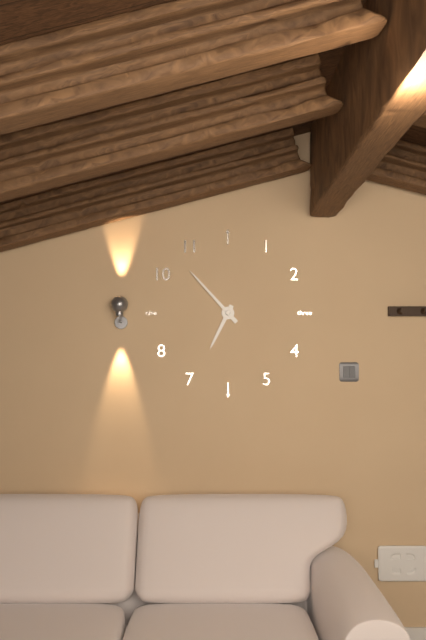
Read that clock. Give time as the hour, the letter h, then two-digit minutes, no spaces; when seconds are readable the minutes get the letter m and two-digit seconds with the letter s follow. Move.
6h53
